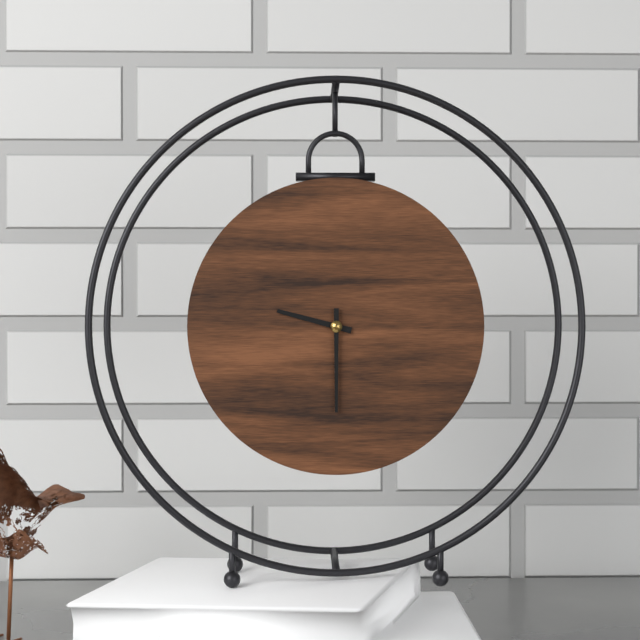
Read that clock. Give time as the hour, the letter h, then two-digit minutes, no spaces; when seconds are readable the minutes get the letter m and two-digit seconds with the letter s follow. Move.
9h30
